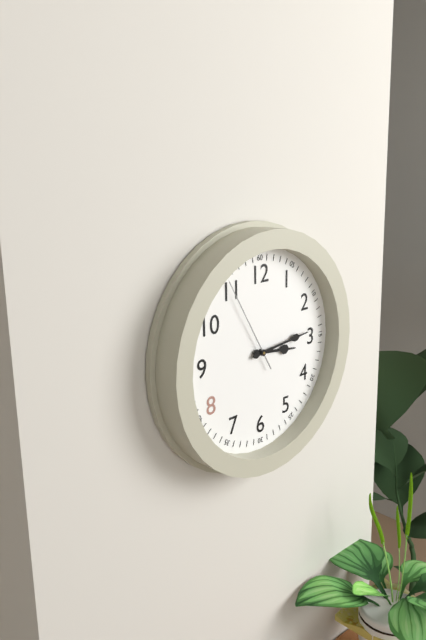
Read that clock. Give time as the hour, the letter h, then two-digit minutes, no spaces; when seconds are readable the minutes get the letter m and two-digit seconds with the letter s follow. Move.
3h14m55s
